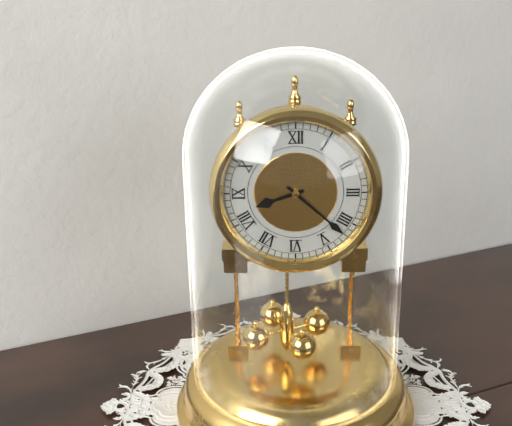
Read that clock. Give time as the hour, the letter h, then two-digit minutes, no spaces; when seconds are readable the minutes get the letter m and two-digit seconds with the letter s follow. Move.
8h22
